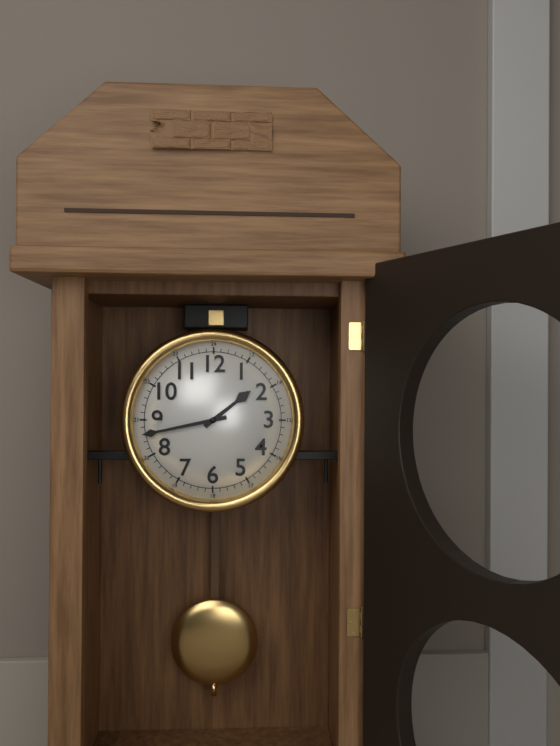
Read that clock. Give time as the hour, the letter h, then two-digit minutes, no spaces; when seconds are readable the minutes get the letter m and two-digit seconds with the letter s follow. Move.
1h43
